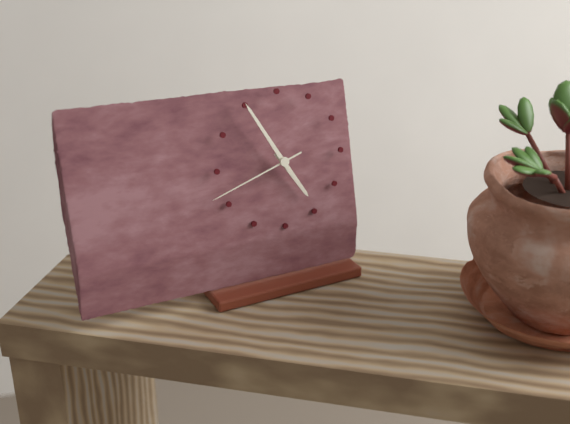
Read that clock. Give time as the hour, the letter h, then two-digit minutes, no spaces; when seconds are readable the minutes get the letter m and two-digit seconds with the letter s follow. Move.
4h55m42s
